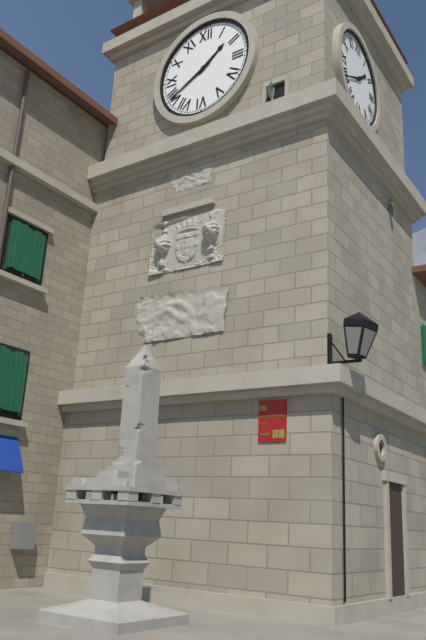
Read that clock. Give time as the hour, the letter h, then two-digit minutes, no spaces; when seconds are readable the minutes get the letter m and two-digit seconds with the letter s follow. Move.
1h40
